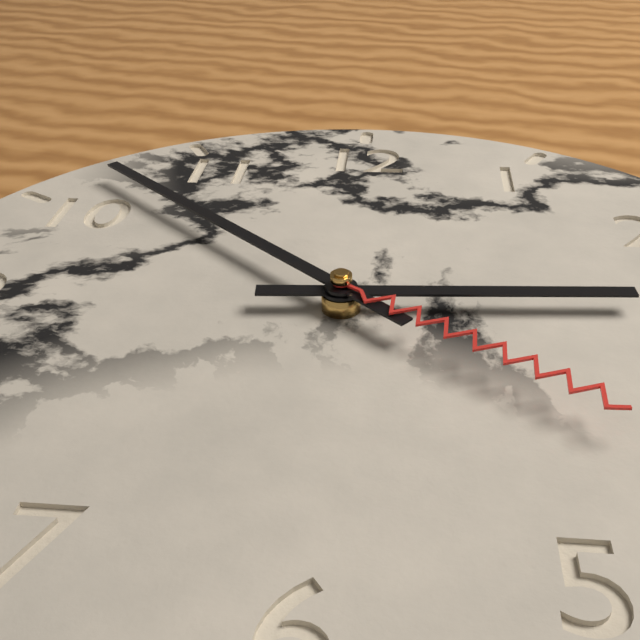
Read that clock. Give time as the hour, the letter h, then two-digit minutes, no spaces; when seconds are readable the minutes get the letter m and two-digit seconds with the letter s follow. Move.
2h52m21s
